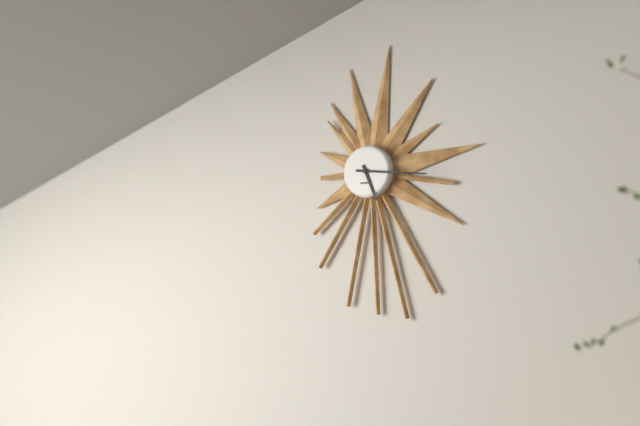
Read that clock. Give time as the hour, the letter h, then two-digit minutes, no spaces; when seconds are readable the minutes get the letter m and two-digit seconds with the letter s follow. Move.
5h16
